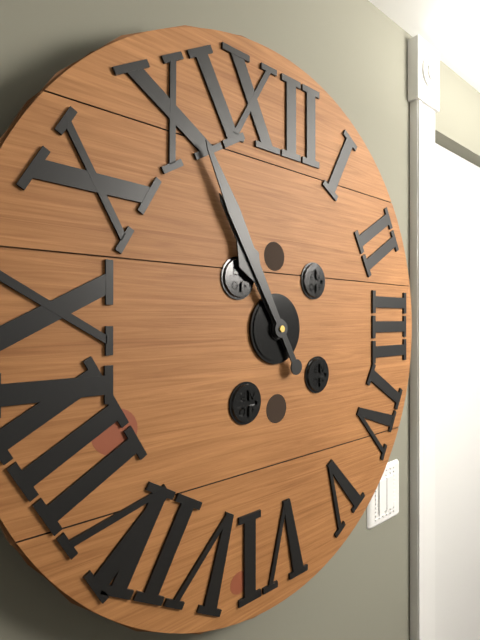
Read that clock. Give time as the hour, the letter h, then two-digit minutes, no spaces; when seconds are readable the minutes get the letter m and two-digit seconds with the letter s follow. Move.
10h55
